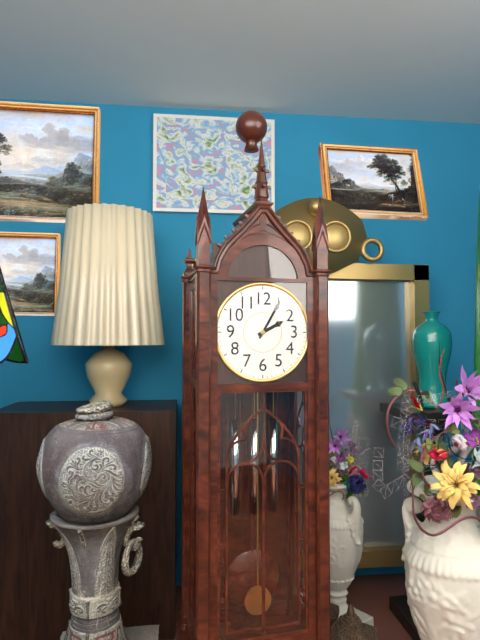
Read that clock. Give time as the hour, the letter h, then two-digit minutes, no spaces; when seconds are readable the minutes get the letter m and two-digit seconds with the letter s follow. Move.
2h05
